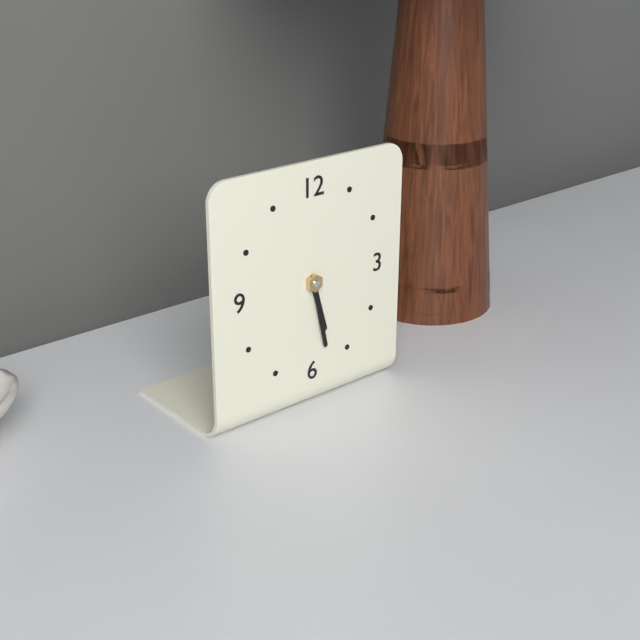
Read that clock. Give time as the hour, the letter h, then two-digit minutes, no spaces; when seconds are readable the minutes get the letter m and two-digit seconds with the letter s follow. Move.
5h28
